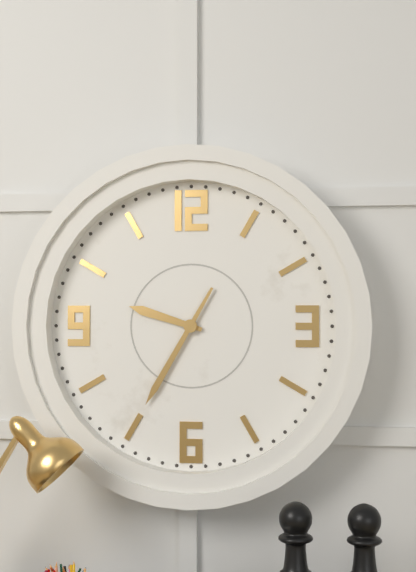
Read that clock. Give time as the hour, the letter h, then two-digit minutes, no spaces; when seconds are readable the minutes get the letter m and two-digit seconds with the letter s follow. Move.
9h35
